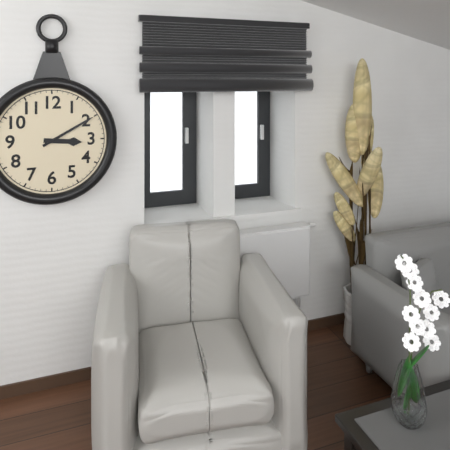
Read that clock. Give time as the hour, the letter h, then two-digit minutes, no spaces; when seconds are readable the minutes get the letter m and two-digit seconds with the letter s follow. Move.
3h10
